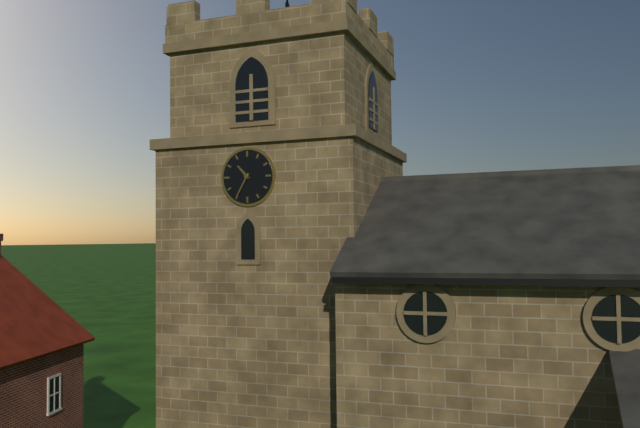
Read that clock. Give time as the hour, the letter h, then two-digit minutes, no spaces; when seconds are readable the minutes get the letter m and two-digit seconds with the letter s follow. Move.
10h35
